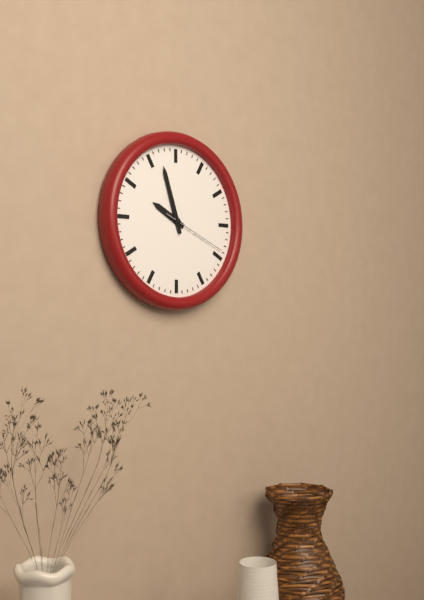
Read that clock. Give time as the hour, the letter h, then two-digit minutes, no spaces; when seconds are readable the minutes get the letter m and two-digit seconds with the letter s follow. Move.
9h57m19s
